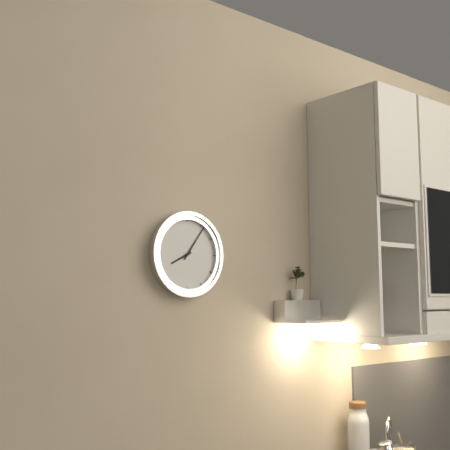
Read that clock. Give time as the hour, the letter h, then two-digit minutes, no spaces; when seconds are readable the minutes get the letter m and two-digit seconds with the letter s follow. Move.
8h06
